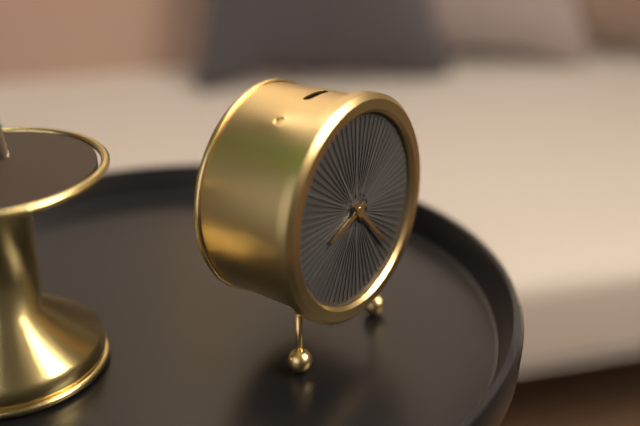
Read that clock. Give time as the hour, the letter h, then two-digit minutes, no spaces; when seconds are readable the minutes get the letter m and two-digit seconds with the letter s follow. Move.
8h23
